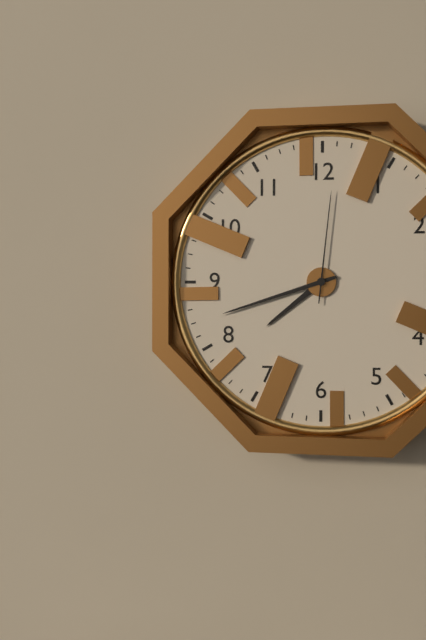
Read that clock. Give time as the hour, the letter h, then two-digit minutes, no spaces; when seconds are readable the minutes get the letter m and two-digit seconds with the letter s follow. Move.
7h42m01s
